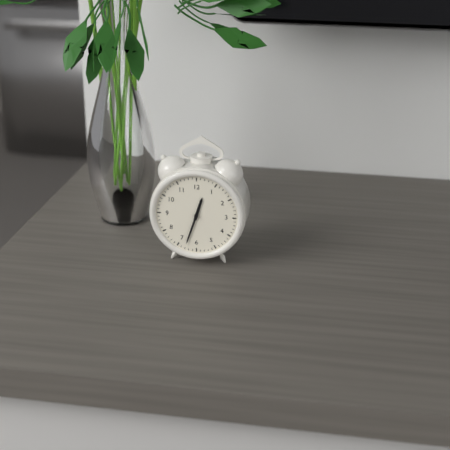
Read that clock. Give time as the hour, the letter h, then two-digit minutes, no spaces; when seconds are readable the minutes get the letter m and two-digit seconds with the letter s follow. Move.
12h33
